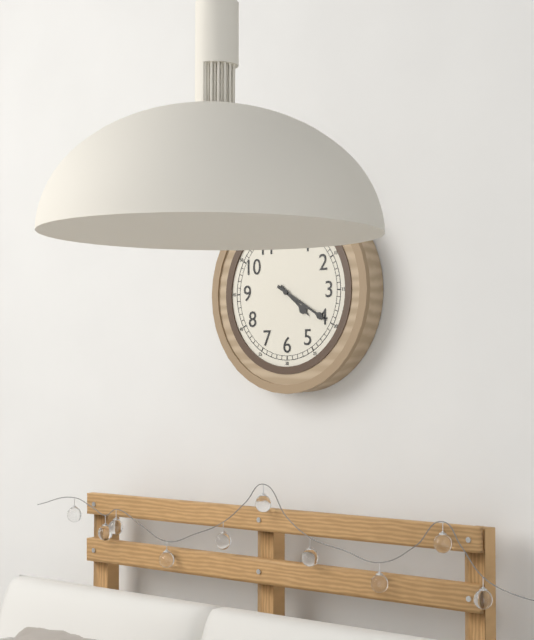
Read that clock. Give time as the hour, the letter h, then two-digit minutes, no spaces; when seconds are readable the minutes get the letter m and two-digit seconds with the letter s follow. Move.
4h20
